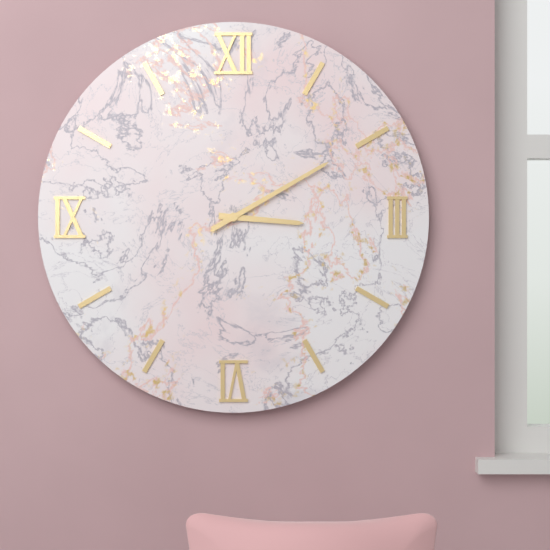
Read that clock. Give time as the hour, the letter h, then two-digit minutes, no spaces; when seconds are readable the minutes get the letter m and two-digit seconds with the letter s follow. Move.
3h10
